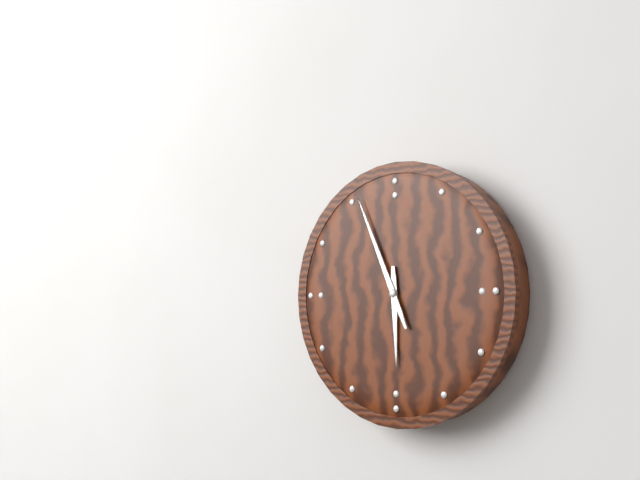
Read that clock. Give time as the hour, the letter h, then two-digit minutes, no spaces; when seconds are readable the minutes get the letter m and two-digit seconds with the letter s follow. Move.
5h56
